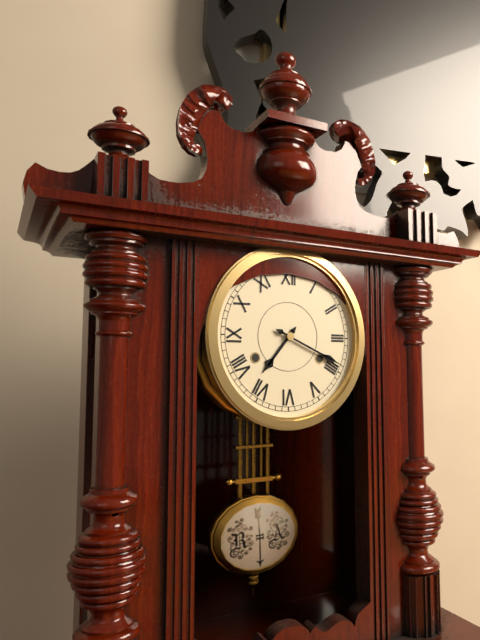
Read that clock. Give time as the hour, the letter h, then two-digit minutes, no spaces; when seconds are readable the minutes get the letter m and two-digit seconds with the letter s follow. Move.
7h19
